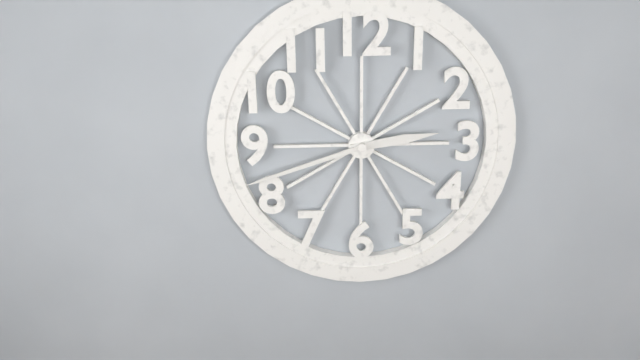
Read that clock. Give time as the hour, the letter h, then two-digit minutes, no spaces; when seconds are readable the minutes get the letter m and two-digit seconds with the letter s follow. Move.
2h42
